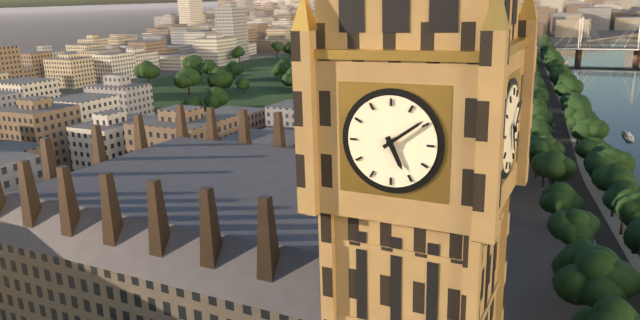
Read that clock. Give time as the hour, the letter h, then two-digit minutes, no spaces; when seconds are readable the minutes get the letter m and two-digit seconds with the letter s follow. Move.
5h09
